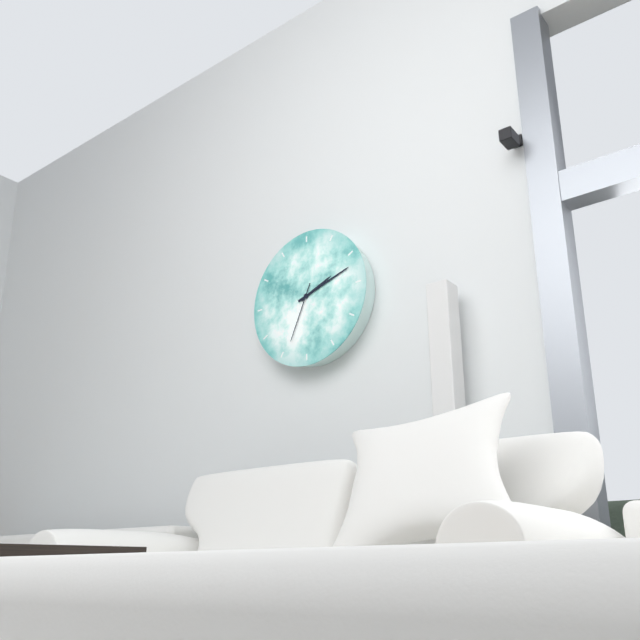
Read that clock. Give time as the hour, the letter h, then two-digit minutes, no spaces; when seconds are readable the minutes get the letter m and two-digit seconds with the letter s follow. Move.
2h12m34s
